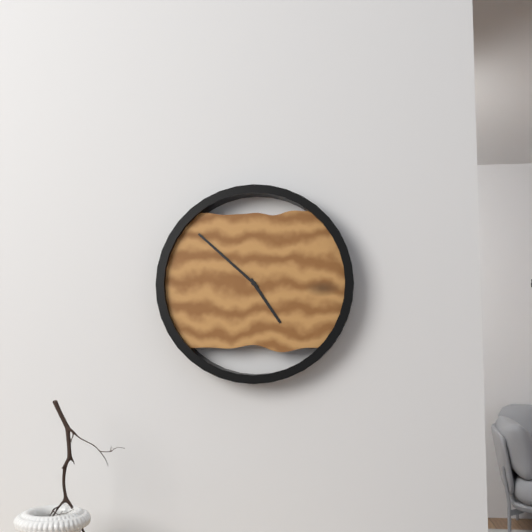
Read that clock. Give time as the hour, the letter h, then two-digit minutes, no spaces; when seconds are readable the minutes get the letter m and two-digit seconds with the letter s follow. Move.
4h52
